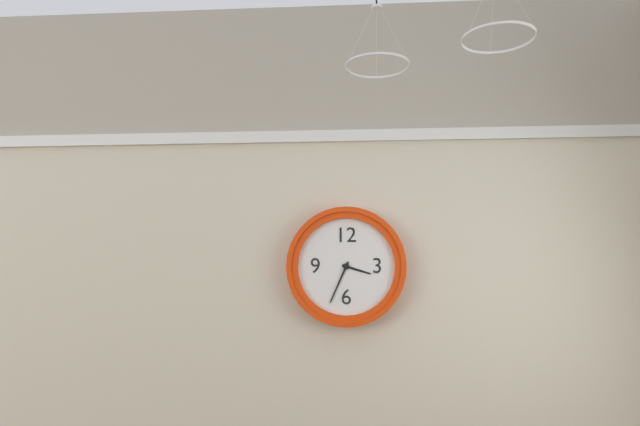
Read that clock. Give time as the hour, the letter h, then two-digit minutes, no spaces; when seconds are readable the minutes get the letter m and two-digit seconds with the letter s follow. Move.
3h34
